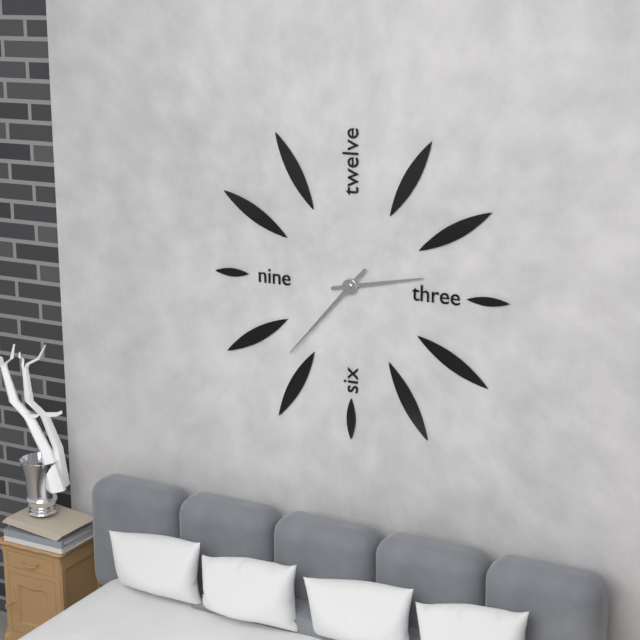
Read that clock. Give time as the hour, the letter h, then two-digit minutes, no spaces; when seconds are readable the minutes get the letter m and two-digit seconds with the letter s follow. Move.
2h37
